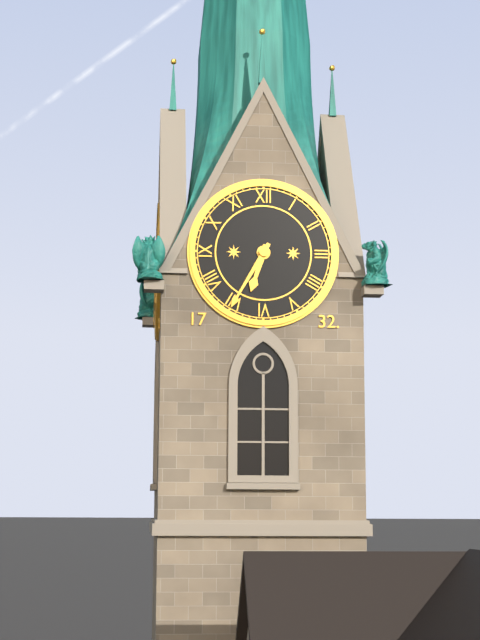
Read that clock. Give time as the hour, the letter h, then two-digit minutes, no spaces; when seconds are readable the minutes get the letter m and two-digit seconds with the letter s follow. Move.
6h35
